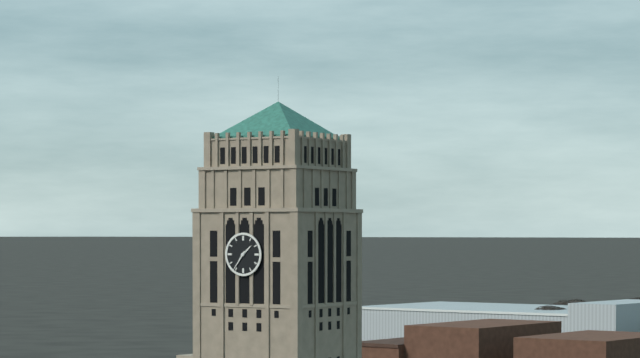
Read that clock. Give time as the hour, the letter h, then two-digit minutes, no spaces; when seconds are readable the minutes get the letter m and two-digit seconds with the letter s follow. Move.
1h36
